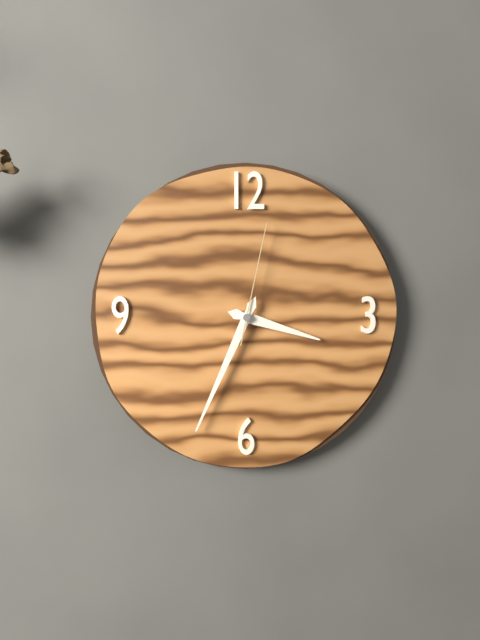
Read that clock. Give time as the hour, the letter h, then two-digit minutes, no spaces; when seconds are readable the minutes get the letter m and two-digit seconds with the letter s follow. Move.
3h34m02s
